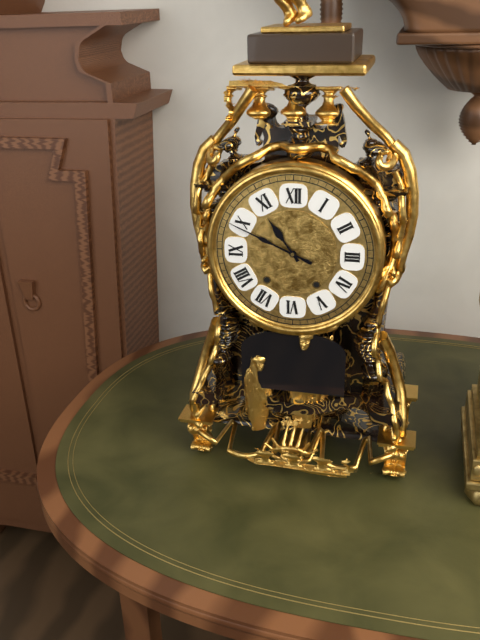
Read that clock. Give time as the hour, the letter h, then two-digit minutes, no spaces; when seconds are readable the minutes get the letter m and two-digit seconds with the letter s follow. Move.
10h49
